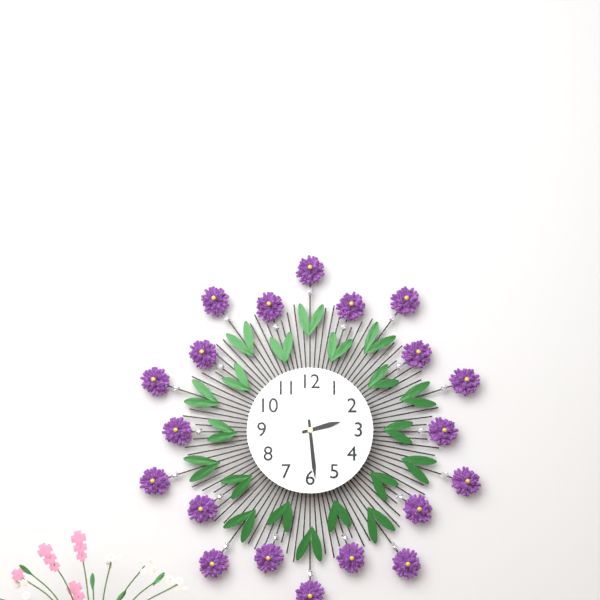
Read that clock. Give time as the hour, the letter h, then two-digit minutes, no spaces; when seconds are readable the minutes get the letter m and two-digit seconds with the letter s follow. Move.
2h29
